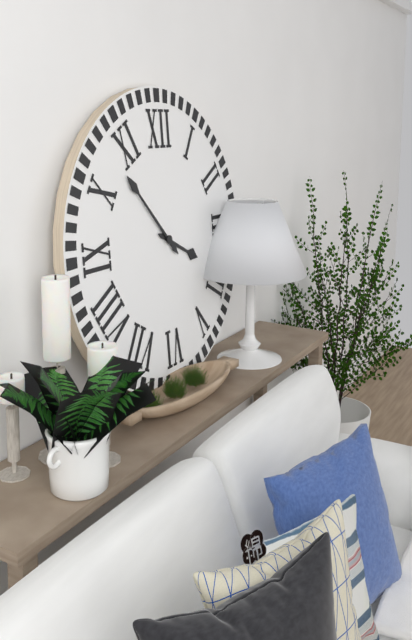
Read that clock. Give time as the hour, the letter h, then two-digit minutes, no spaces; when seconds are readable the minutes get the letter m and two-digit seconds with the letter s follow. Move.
3h53
